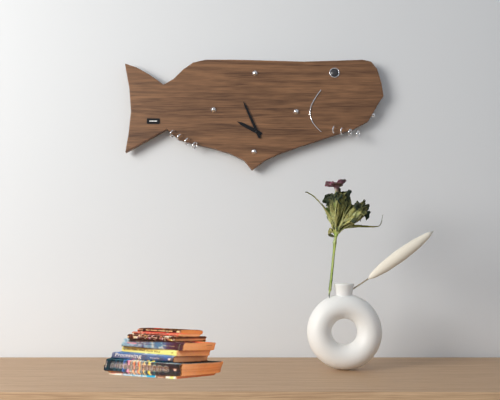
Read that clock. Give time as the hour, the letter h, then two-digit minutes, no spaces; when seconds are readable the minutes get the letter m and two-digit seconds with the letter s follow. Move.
9h56
